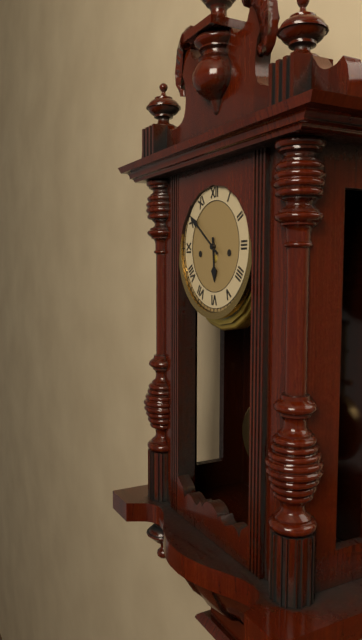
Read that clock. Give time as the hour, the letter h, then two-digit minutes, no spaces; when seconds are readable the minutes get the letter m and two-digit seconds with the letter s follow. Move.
5h51
